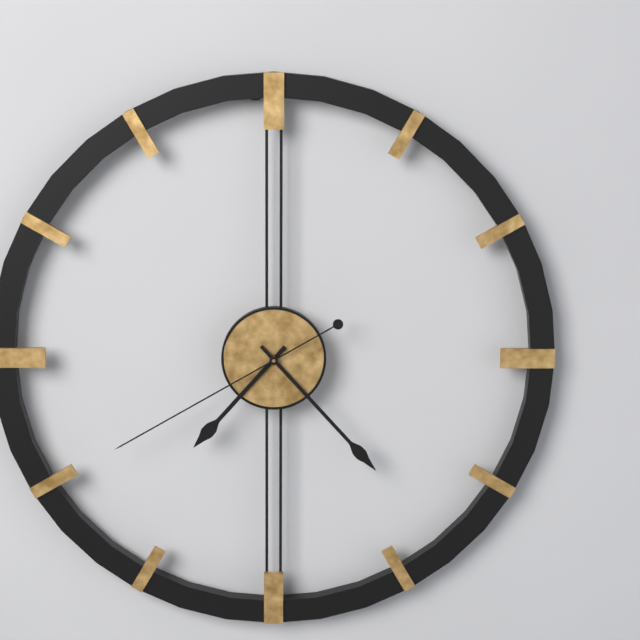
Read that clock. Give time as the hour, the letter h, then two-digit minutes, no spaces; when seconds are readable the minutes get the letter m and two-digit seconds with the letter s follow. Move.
7h23m40s
